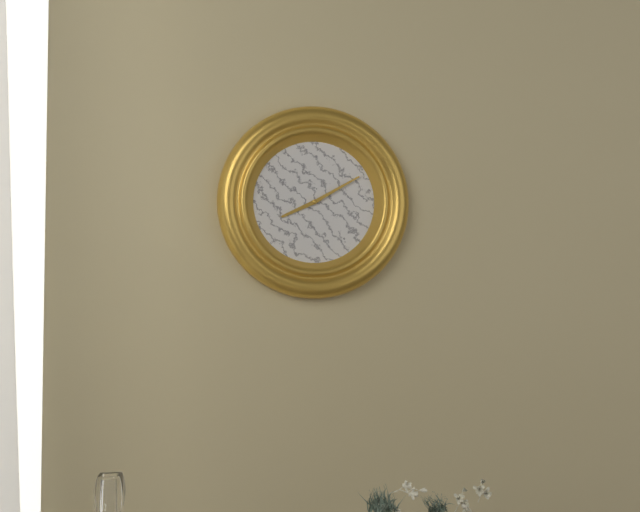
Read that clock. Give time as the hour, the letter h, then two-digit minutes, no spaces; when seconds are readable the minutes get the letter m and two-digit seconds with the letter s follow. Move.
8h10
